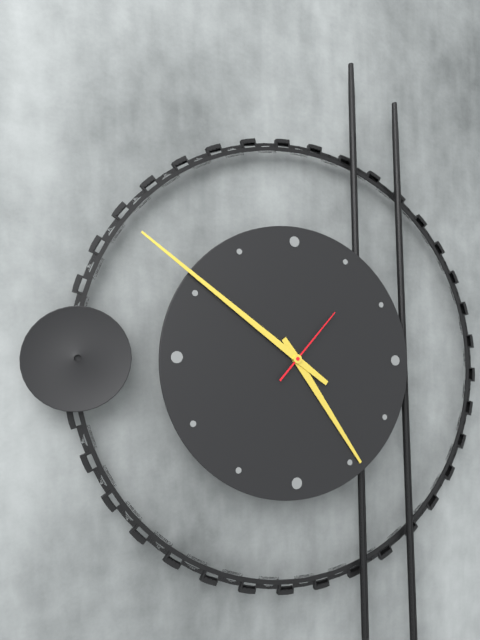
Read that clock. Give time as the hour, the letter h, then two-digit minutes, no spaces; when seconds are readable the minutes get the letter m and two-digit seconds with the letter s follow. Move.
4h51m07s
